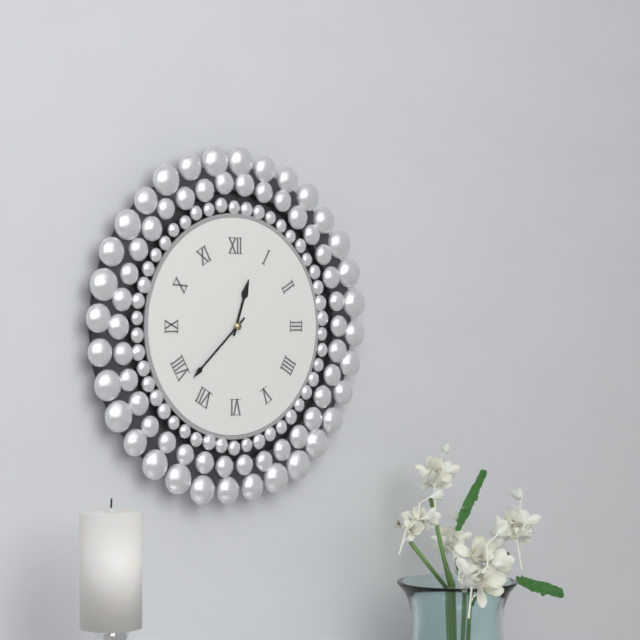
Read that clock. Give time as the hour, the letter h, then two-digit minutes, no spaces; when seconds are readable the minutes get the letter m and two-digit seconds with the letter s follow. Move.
12h38
